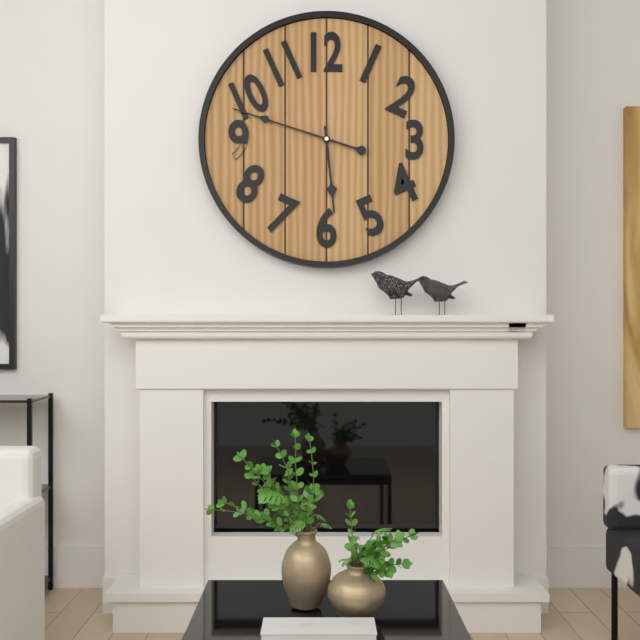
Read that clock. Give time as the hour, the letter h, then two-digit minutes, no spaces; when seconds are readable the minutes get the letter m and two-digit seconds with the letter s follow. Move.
5h48
